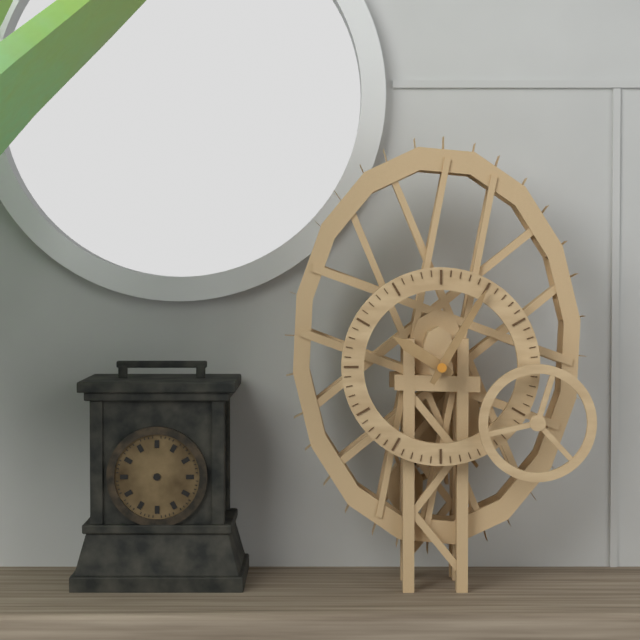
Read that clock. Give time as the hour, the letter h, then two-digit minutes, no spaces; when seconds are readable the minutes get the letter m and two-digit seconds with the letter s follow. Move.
10h05
